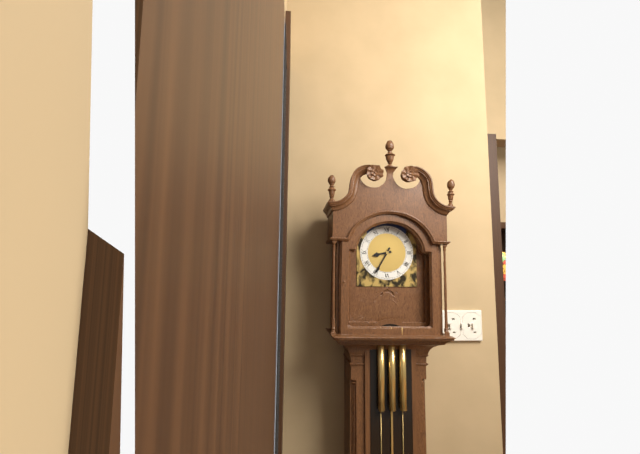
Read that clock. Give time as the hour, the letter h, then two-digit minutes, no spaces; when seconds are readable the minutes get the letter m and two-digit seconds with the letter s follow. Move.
8h35
